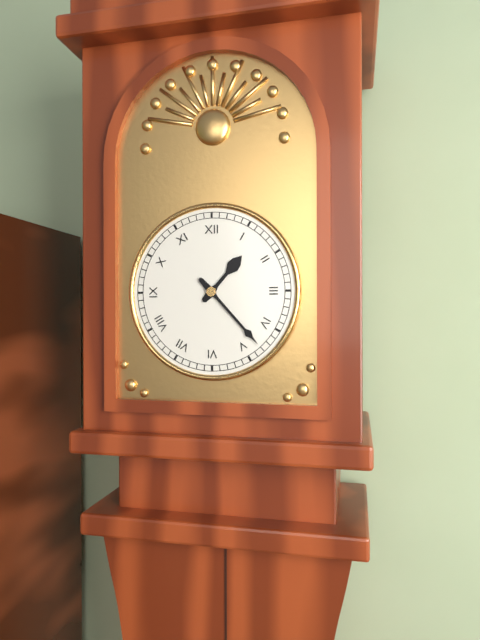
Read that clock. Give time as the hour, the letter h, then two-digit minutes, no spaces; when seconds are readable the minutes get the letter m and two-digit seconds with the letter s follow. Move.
1h23
